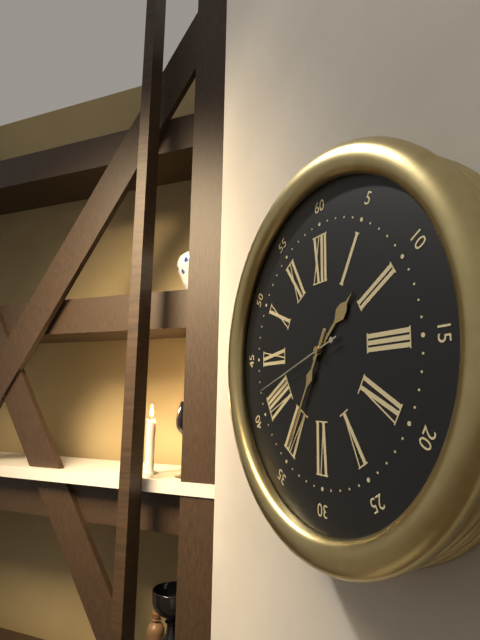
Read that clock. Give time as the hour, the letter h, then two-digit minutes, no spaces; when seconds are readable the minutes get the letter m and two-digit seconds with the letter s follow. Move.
1h35m42s
